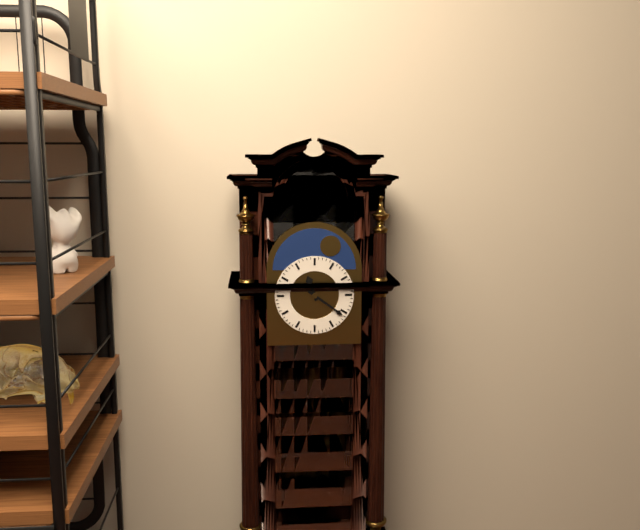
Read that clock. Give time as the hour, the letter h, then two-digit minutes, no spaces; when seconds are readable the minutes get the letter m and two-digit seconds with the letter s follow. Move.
11h21
